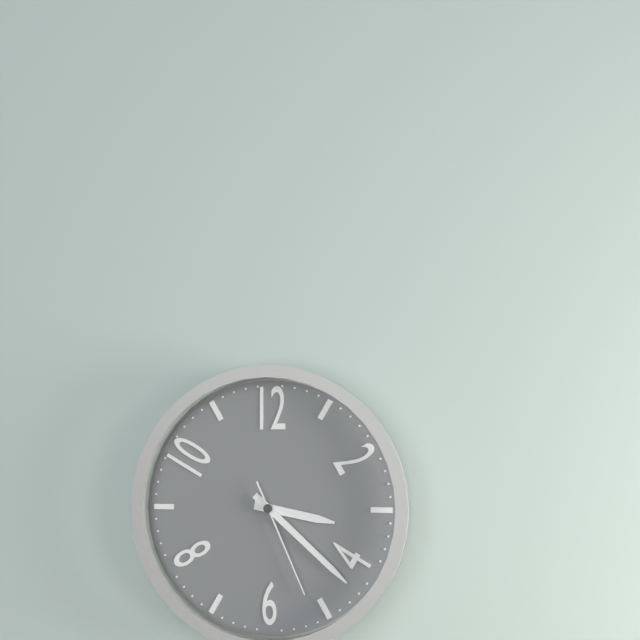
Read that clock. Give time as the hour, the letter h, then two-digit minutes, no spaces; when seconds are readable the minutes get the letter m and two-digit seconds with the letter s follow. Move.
3h22m26s
